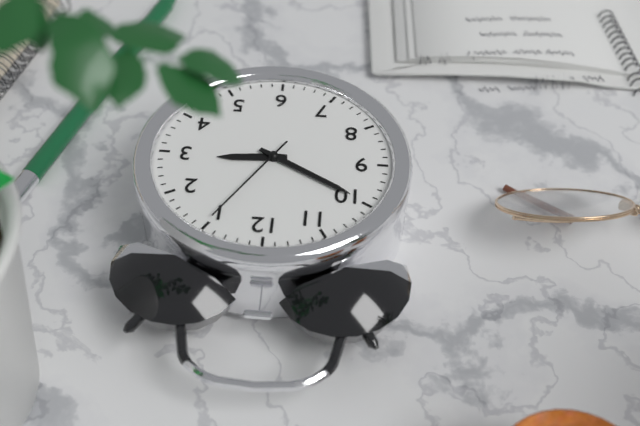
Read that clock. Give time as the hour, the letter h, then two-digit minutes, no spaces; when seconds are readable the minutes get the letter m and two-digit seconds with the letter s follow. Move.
2h50m05s
